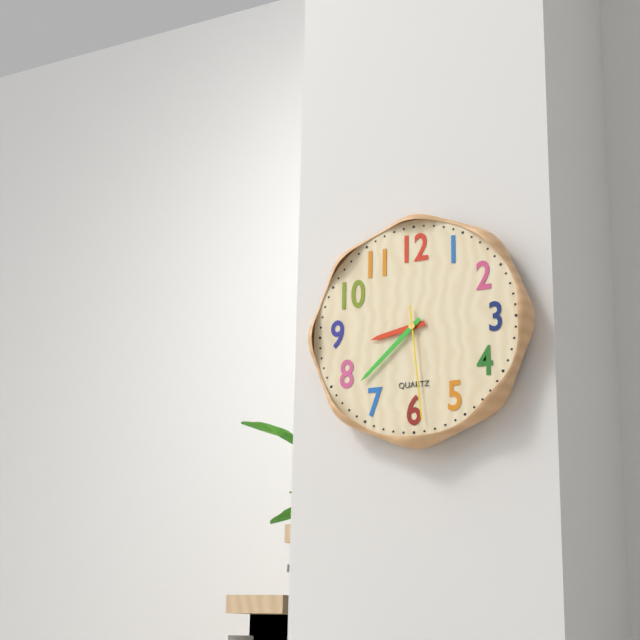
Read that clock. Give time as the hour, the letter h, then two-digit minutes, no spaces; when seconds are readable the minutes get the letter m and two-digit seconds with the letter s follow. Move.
8h38m29s
